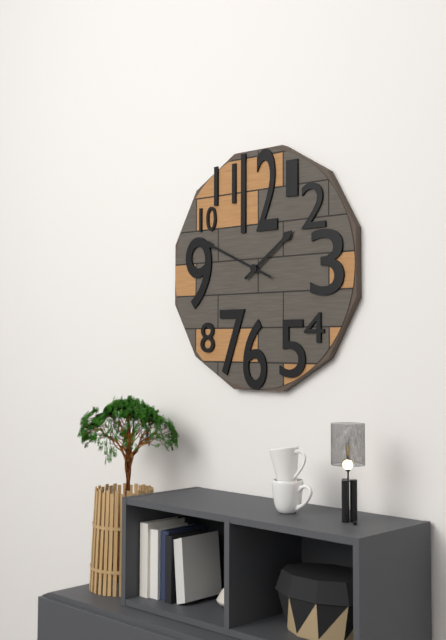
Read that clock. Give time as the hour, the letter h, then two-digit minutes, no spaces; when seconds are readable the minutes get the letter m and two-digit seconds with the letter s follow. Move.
1h49
